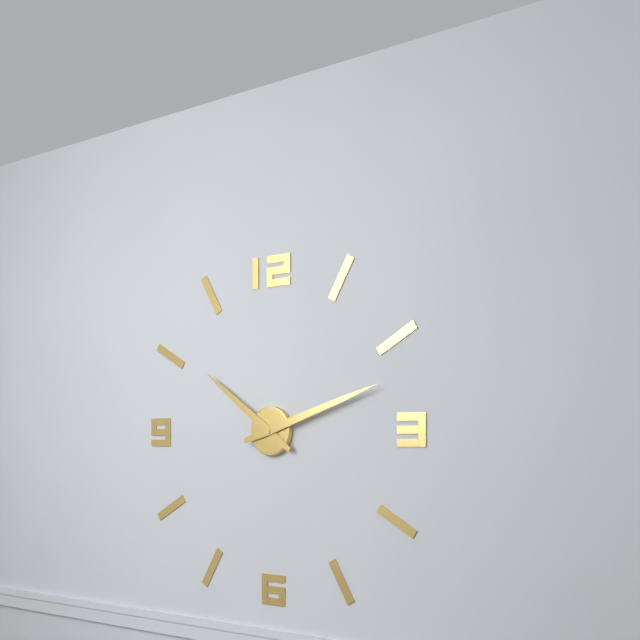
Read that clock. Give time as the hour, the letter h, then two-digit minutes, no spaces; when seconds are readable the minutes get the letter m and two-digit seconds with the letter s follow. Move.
10h12
